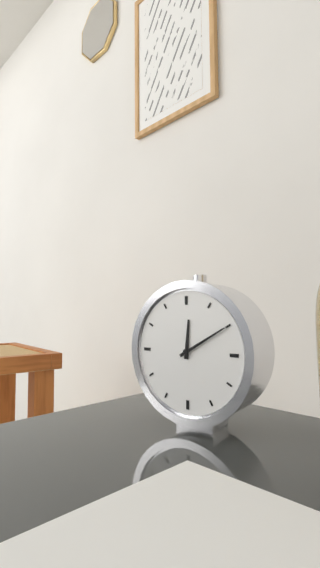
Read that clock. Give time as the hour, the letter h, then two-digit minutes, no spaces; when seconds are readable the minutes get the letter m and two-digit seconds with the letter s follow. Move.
12h10
